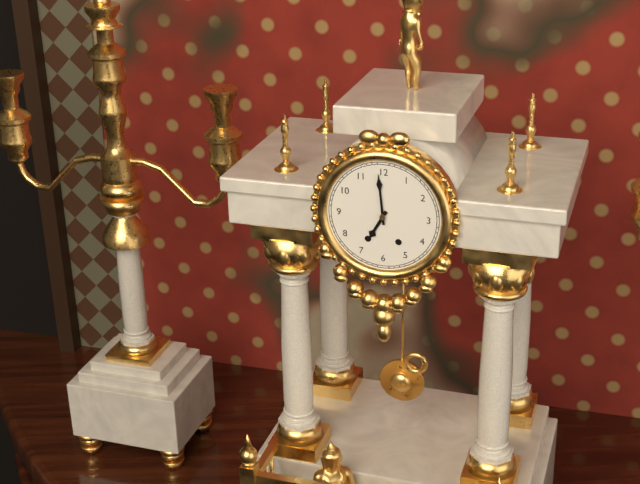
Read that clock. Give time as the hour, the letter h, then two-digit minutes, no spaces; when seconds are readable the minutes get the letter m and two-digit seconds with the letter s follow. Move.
6h59
